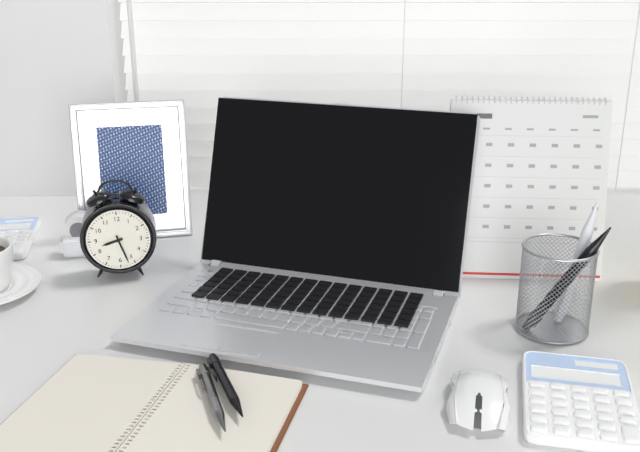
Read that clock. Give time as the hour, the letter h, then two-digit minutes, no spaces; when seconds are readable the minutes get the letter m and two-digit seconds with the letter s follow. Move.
8h27
